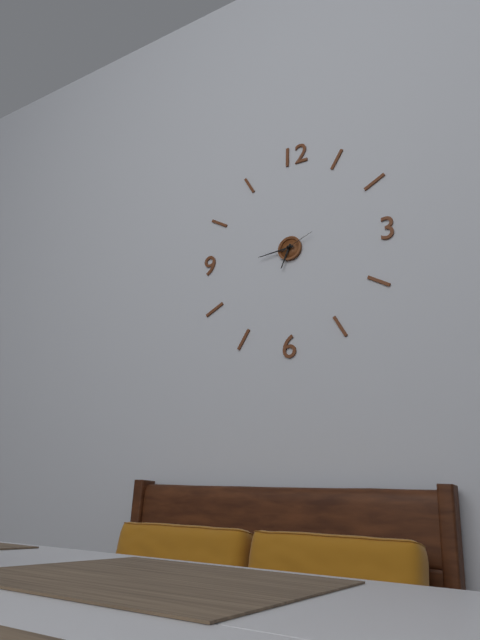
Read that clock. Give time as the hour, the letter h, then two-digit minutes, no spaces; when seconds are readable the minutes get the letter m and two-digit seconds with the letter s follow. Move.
6h44
